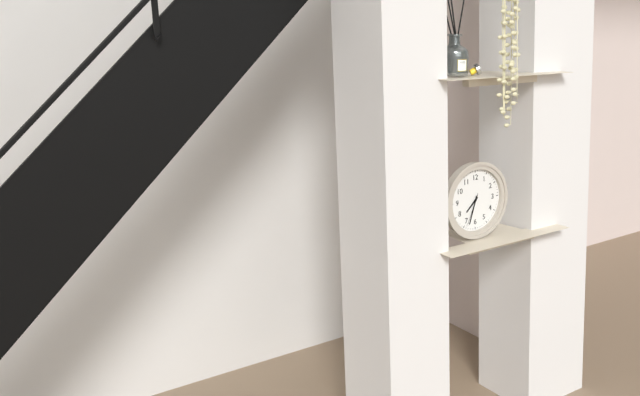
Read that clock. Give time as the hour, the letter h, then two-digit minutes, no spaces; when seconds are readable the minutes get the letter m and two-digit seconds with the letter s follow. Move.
7h33
